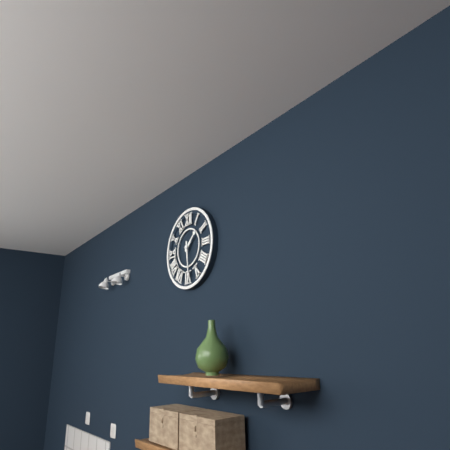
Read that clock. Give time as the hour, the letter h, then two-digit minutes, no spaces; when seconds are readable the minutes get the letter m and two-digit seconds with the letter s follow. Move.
1h29
